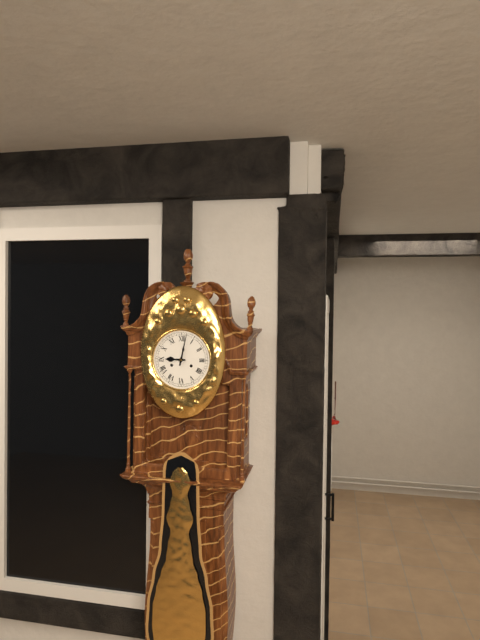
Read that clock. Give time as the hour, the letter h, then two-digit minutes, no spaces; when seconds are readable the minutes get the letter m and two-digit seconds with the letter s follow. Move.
9h02
